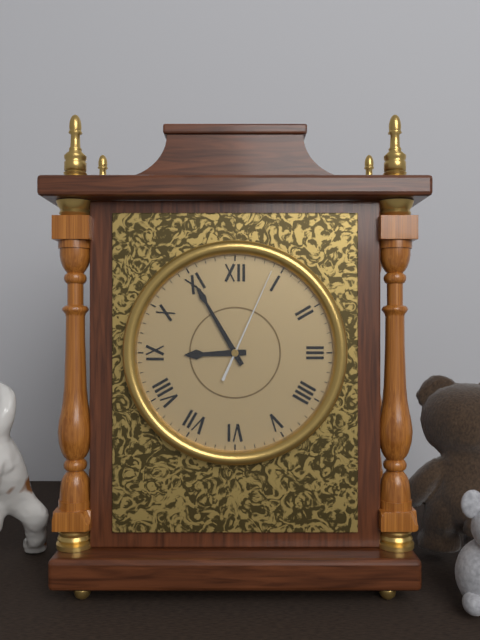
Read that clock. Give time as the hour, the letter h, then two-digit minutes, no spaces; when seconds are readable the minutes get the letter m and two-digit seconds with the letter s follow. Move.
8h55m04s
